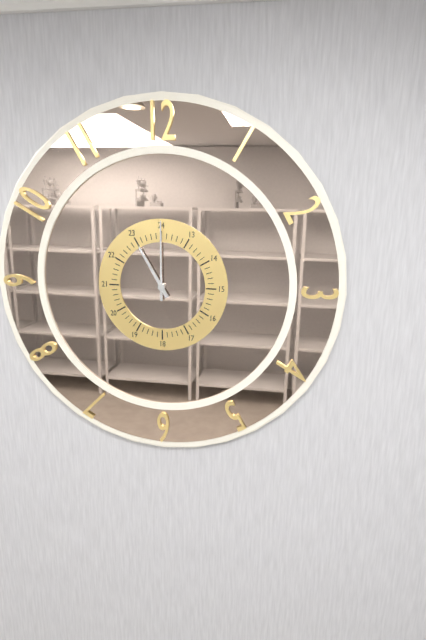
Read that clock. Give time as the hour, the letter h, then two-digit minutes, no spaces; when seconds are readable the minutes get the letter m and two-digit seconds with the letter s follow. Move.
11h00
